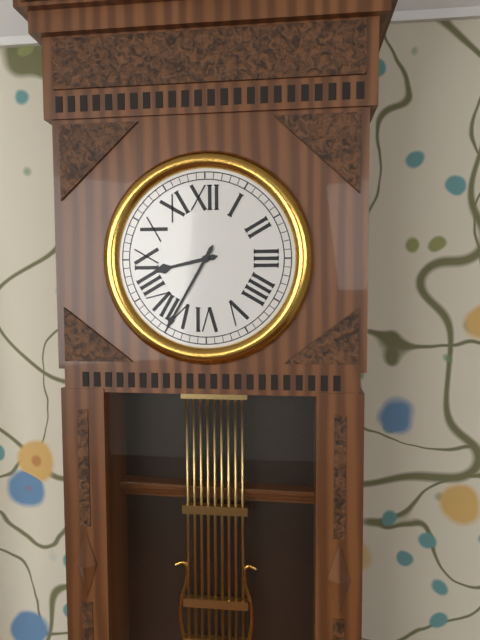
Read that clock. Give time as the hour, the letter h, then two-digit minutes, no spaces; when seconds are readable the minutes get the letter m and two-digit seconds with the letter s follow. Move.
8h35
